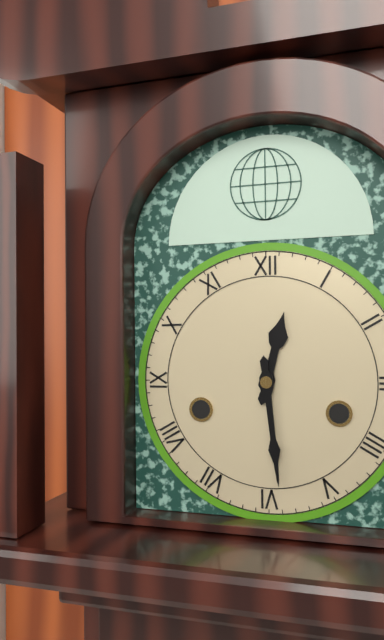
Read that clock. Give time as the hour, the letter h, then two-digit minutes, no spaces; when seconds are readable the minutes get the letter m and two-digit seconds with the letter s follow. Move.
12h29
